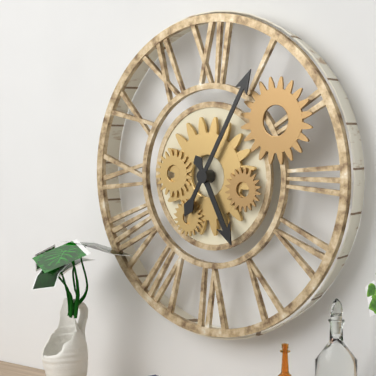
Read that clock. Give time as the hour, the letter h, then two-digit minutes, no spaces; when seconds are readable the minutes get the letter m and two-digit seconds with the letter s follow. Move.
5h05
